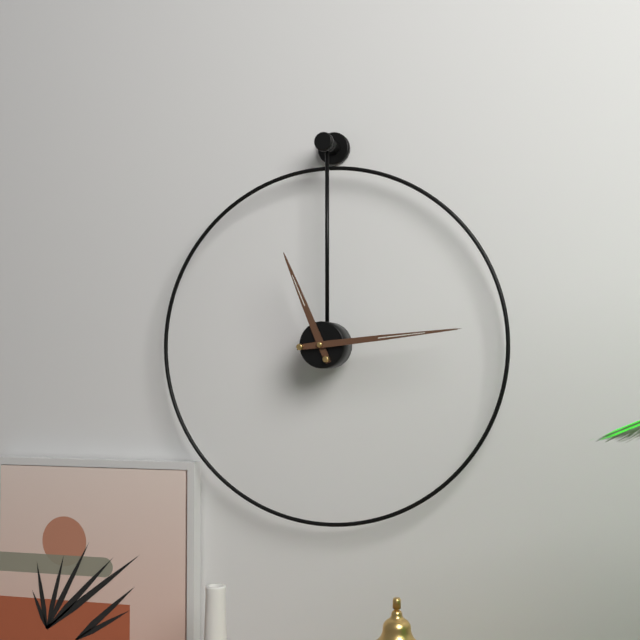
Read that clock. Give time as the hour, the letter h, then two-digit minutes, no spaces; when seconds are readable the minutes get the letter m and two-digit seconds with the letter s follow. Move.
11h14
